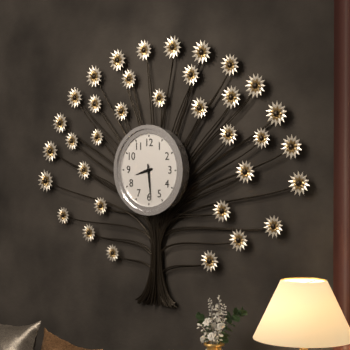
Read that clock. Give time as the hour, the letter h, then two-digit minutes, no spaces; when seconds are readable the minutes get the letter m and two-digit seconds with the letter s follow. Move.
8h29
